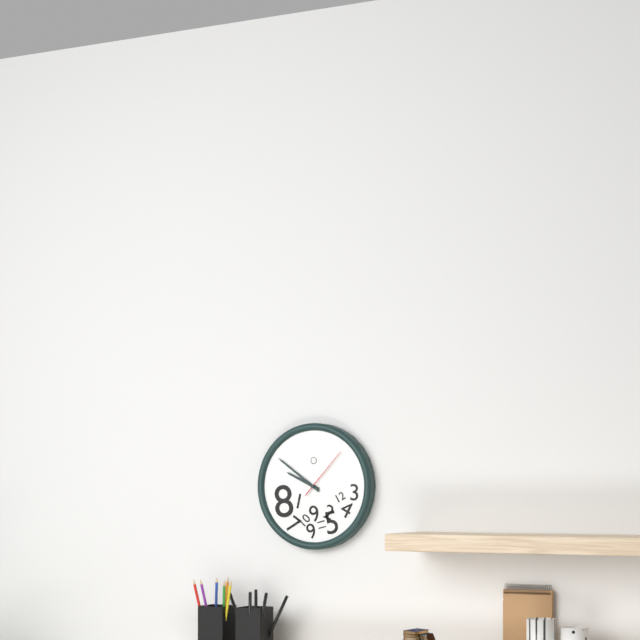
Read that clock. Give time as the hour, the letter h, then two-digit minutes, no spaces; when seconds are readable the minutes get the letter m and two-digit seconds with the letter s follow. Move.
9h51m07s
